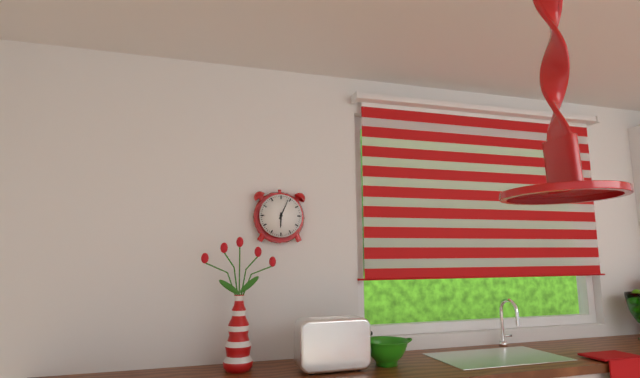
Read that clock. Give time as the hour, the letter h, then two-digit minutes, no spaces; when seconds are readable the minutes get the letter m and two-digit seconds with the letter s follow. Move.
6h04
